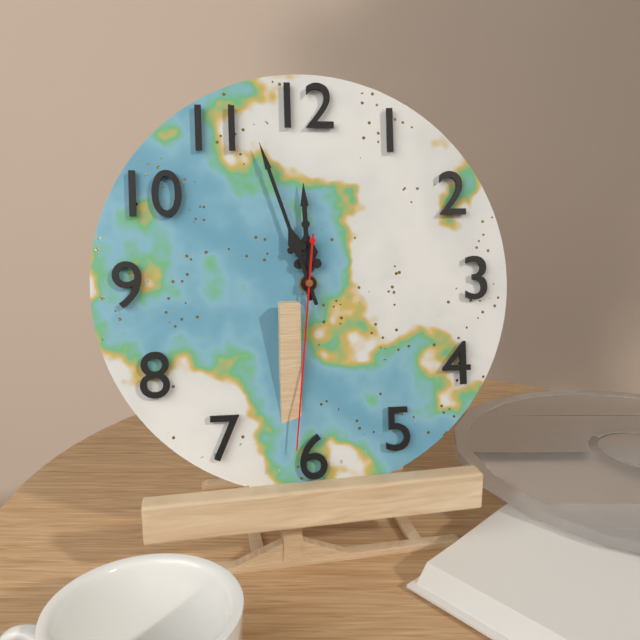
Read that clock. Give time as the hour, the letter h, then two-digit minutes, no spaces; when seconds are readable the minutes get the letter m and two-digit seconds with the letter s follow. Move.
11h57m31s
